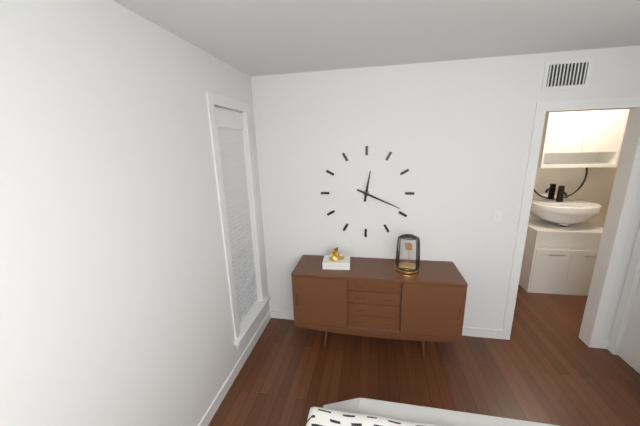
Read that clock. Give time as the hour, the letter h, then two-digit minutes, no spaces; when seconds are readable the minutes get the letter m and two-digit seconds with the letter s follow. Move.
12h19
